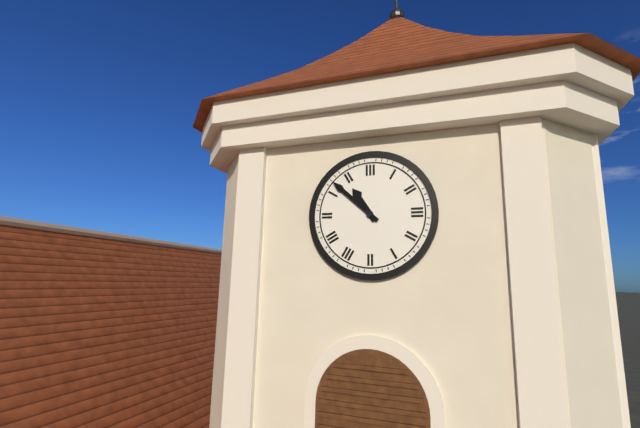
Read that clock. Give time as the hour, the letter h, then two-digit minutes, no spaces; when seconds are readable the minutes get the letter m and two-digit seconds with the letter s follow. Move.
10h52
